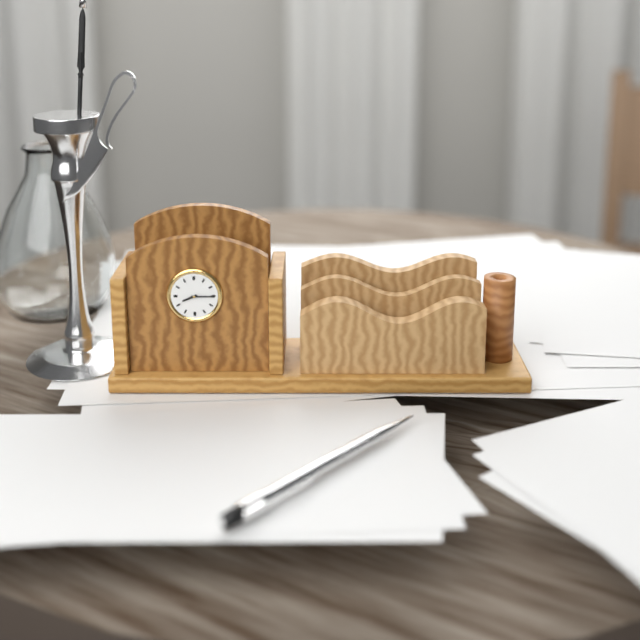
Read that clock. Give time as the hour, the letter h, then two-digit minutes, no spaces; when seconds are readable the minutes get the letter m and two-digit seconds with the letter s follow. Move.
8h15
